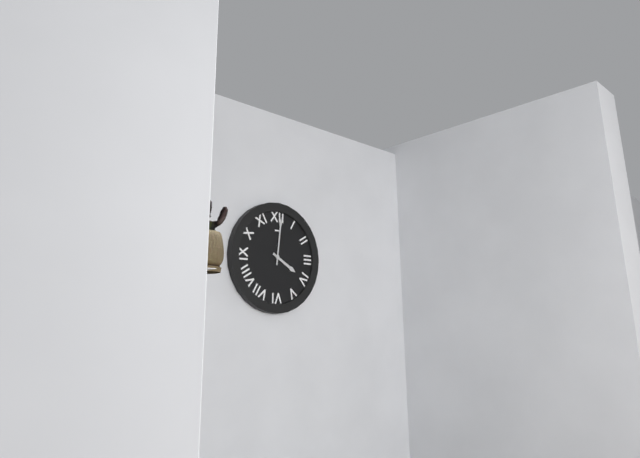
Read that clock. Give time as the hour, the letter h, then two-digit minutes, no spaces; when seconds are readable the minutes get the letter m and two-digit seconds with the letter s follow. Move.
4h01
